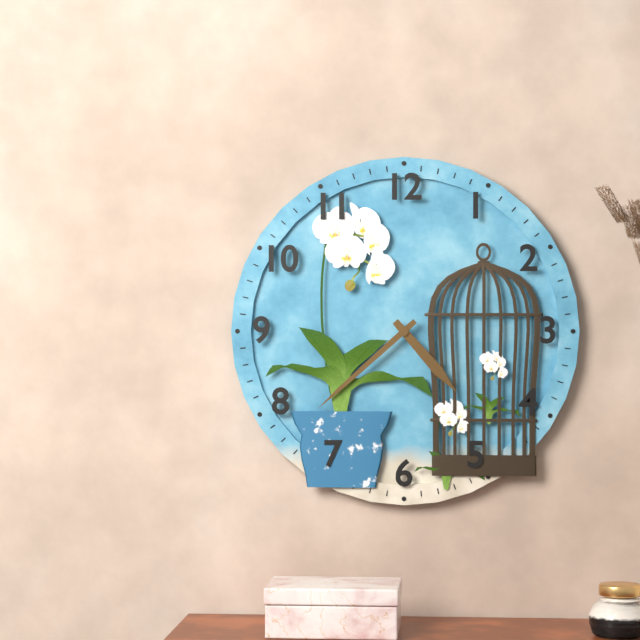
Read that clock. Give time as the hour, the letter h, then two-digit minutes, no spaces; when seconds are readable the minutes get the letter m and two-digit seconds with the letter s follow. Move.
4h38
